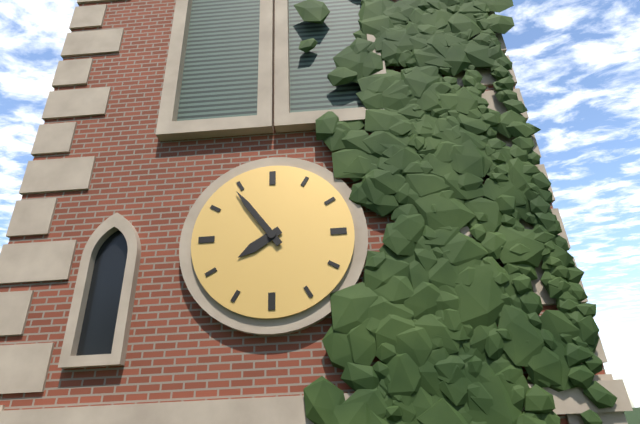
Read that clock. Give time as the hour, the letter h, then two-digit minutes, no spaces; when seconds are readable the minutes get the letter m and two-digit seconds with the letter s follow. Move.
7h54
